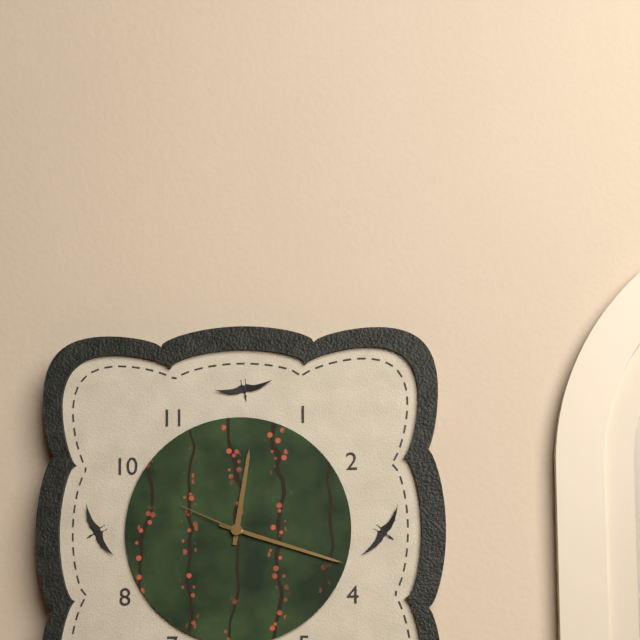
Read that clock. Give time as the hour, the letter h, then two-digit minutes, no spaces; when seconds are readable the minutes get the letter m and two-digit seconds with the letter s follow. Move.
12h18m49s
